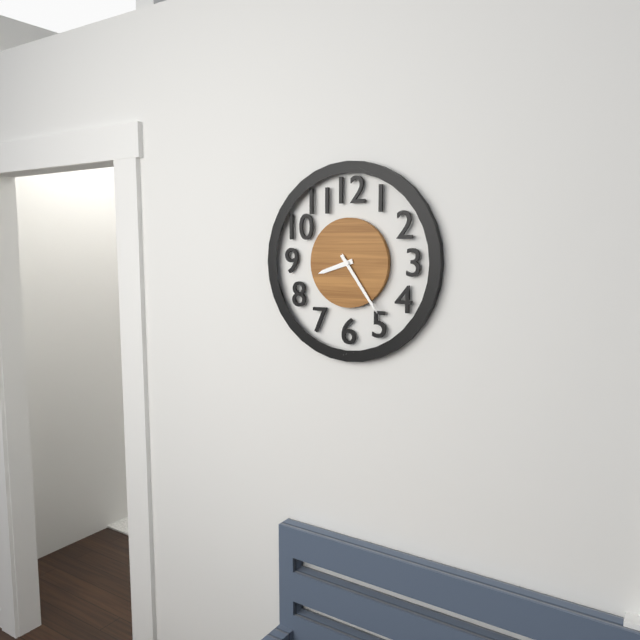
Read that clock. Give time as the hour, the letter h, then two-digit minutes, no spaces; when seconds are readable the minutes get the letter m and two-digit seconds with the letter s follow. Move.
8h24
